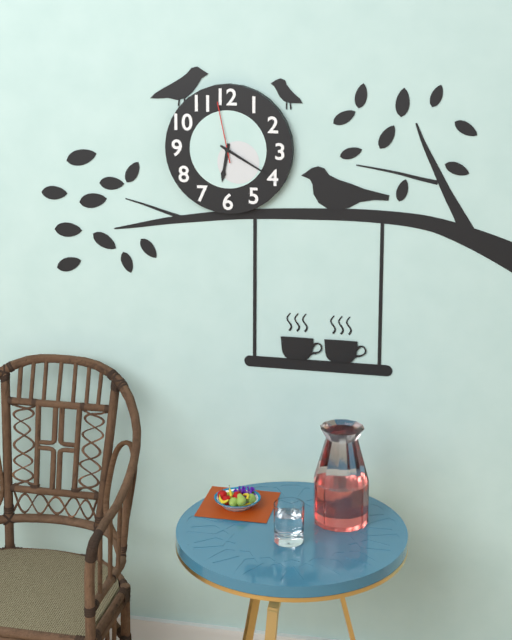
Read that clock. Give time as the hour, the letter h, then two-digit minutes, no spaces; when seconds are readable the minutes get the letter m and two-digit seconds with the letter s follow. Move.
6h20m58s
